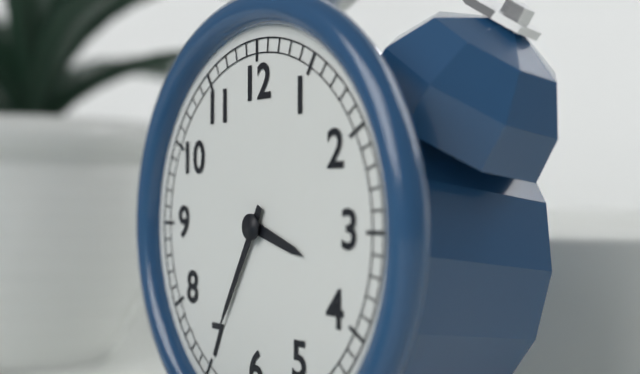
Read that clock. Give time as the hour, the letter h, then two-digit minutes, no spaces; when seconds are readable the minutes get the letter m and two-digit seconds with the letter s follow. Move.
3h35
